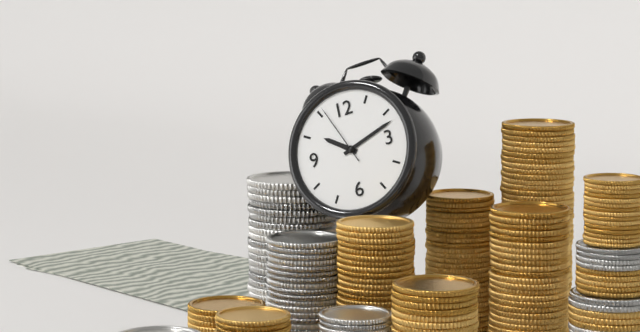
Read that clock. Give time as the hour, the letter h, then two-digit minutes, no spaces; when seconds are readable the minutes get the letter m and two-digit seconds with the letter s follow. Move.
10h12m56s
